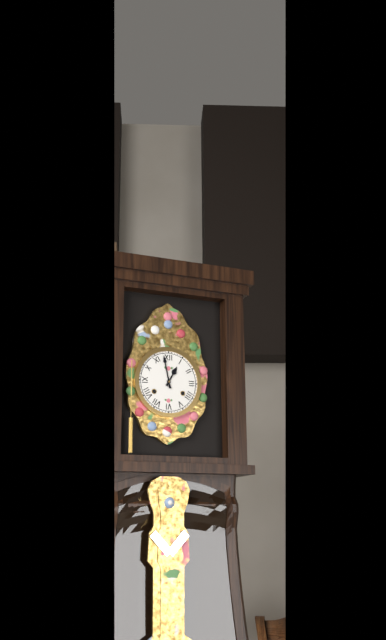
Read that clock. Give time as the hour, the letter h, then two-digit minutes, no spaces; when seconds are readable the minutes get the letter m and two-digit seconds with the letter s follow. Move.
12h58
